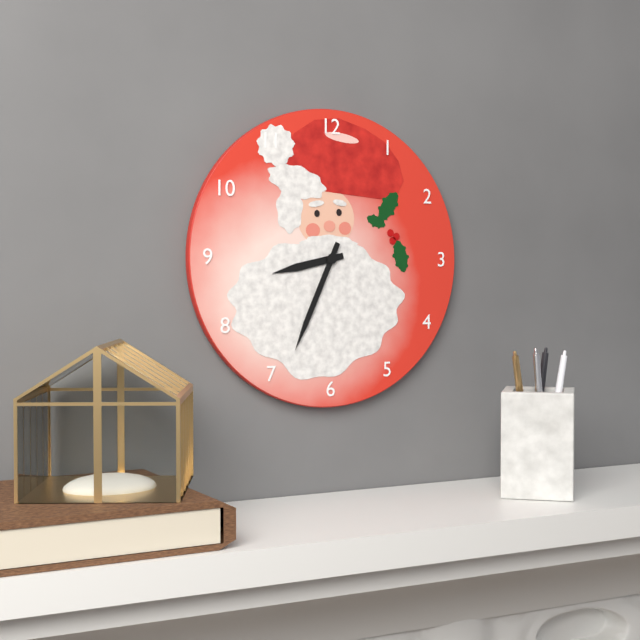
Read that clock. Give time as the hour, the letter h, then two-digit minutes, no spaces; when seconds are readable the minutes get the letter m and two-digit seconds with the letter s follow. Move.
8h34
